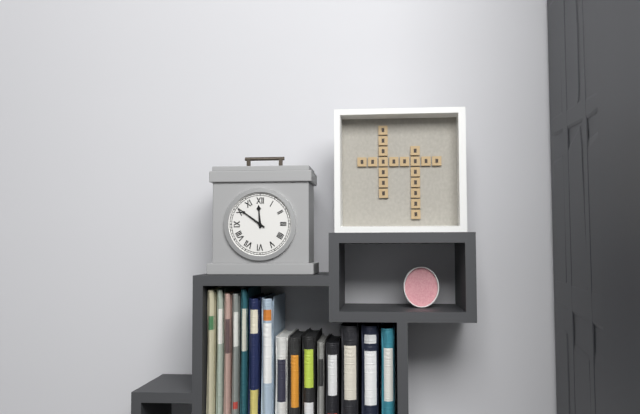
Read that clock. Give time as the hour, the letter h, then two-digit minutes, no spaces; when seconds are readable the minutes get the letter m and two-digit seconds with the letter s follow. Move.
11h51
